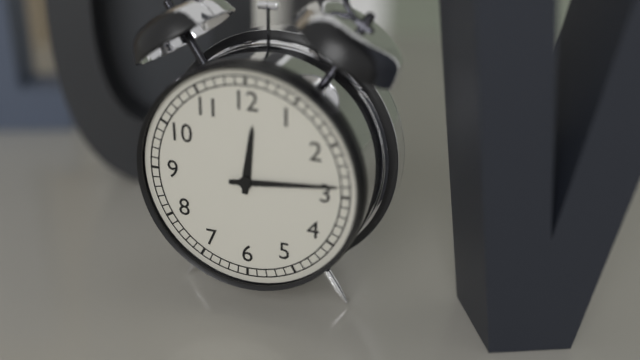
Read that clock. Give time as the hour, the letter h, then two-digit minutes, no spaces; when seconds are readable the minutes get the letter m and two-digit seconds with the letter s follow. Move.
12h14
